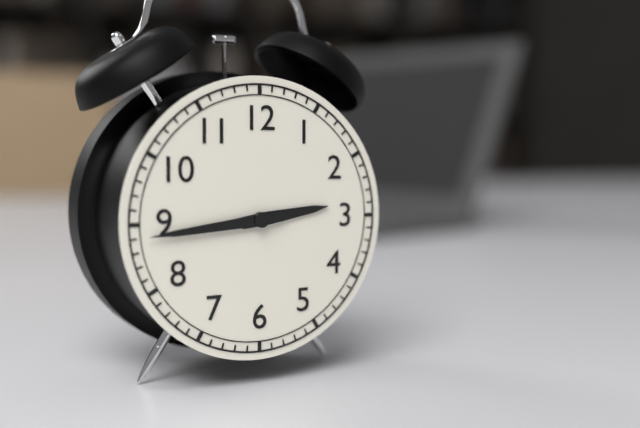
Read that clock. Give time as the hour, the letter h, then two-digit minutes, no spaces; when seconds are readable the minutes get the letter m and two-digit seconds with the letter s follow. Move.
2h44
